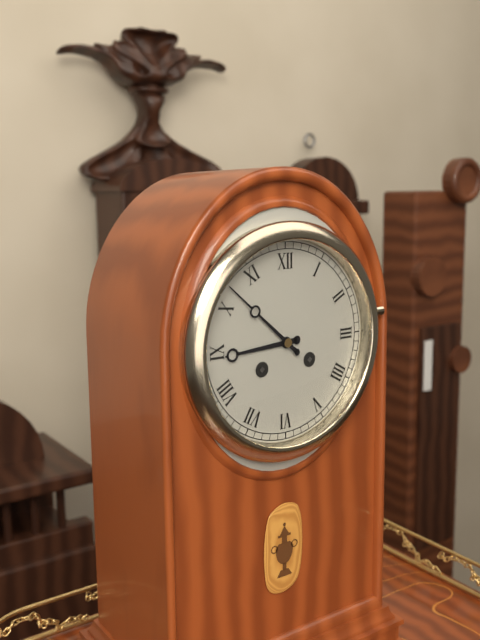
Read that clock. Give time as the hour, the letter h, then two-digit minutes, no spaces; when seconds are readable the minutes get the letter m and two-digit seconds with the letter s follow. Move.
8h52
